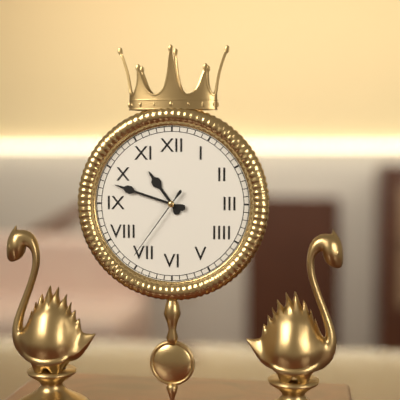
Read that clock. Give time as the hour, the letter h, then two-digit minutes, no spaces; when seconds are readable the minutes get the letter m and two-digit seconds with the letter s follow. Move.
10h48m36s
